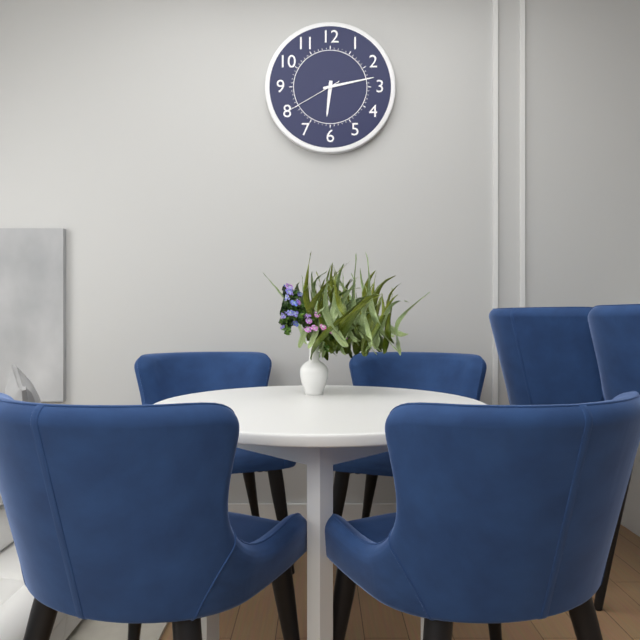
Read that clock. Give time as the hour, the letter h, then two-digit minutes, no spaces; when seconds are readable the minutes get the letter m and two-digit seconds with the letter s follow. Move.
6h13m40s
